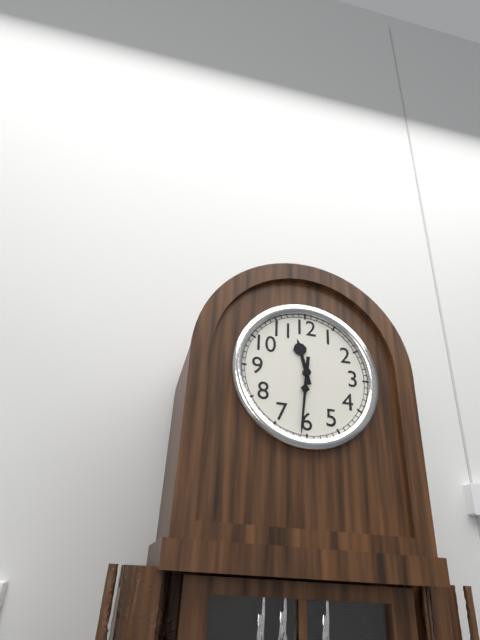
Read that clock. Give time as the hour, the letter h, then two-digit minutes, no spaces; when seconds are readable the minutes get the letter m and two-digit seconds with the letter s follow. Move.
11h31
